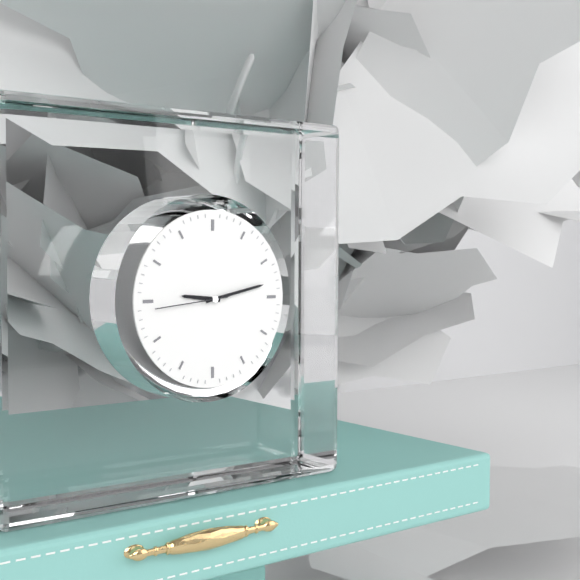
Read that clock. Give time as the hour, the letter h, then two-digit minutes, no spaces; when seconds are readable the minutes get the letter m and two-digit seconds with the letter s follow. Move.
9h13m44s
